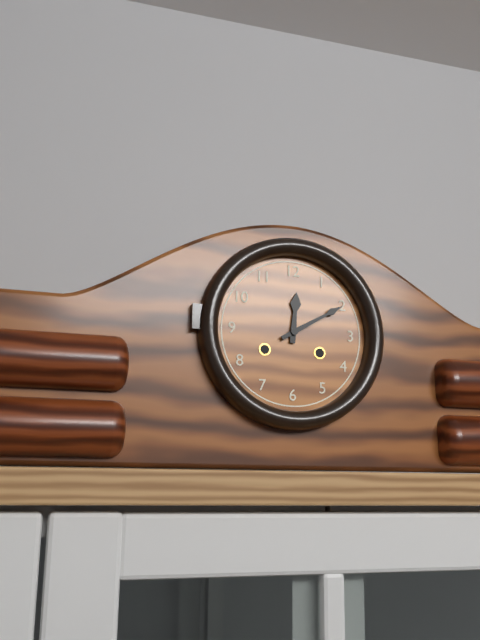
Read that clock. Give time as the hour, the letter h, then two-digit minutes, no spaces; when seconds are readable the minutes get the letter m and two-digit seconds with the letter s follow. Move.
12h10
